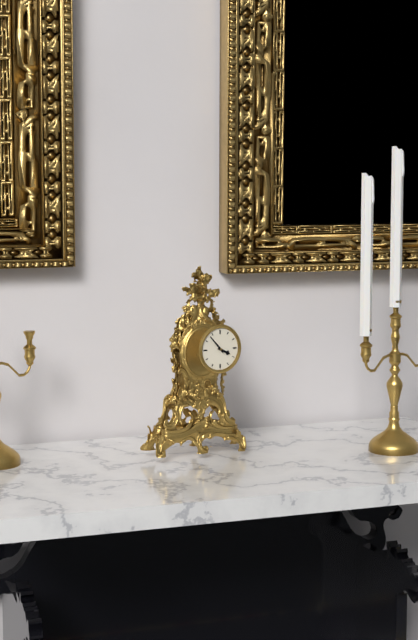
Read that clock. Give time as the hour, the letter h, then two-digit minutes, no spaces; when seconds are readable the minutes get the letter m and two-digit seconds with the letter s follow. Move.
3h53
